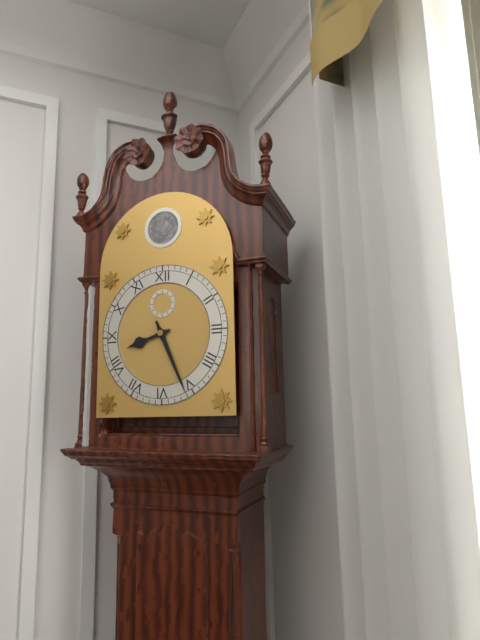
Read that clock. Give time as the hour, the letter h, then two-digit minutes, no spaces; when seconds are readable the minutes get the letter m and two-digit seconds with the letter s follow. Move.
8h26
